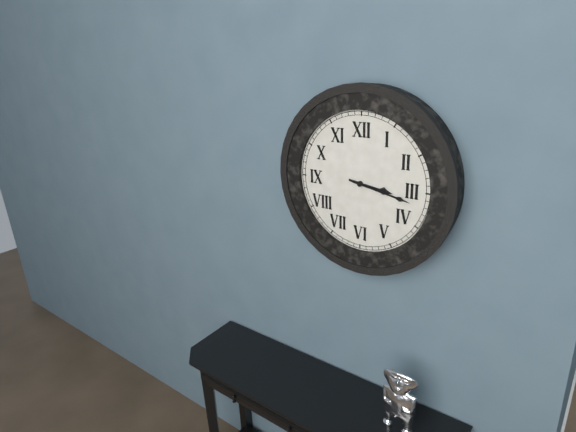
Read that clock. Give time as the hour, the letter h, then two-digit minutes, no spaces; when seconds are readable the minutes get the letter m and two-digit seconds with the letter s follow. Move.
3h17
